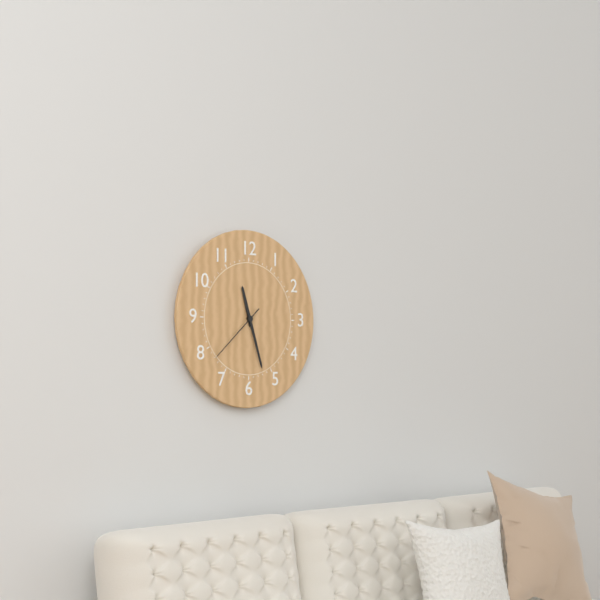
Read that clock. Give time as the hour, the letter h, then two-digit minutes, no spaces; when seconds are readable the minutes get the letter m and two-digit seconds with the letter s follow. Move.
11h27m38s
